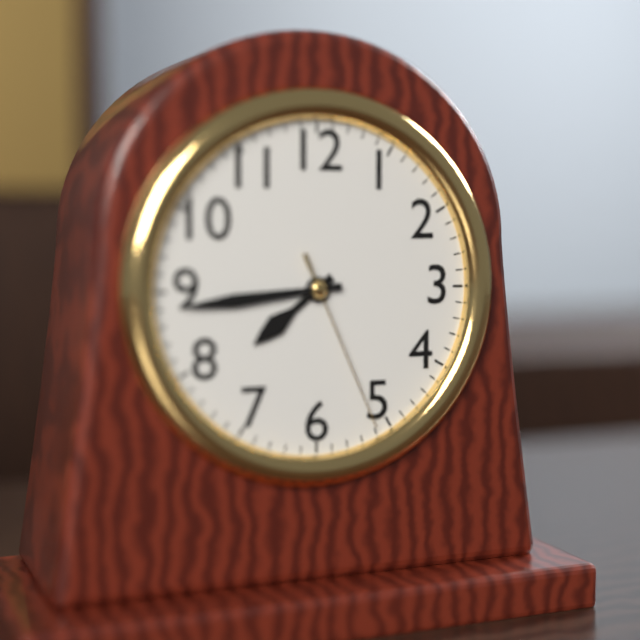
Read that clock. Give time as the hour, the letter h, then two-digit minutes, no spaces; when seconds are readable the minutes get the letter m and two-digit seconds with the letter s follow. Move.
7h44m26s
